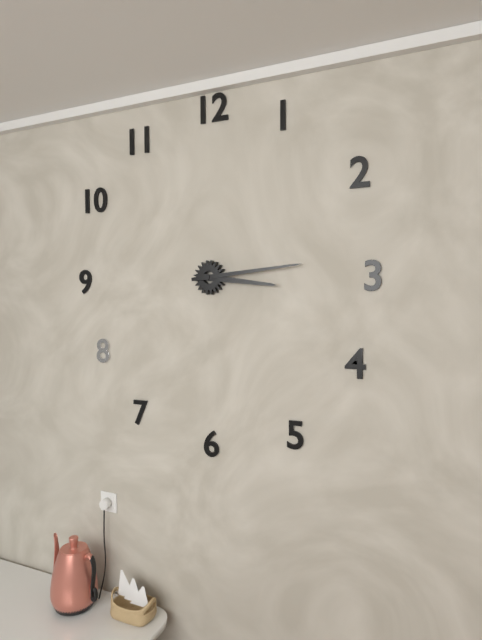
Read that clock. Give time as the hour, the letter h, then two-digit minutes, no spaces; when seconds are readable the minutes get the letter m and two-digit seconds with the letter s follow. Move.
3h14
